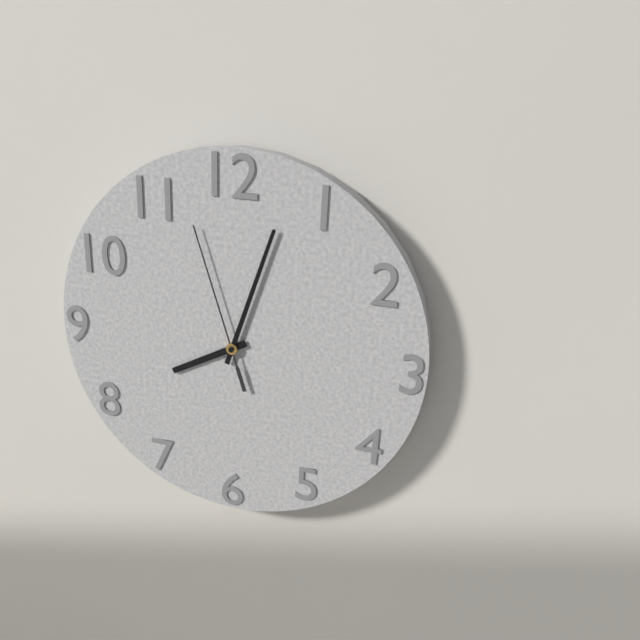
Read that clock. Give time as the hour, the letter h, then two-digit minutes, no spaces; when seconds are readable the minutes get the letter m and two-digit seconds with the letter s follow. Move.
8h03m57s
